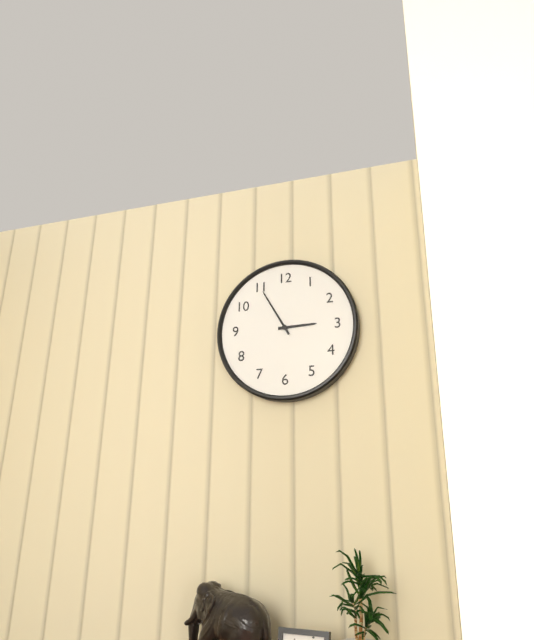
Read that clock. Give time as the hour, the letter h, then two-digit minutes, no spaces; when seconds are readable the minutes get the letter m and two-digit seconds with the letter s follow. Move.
2h55
